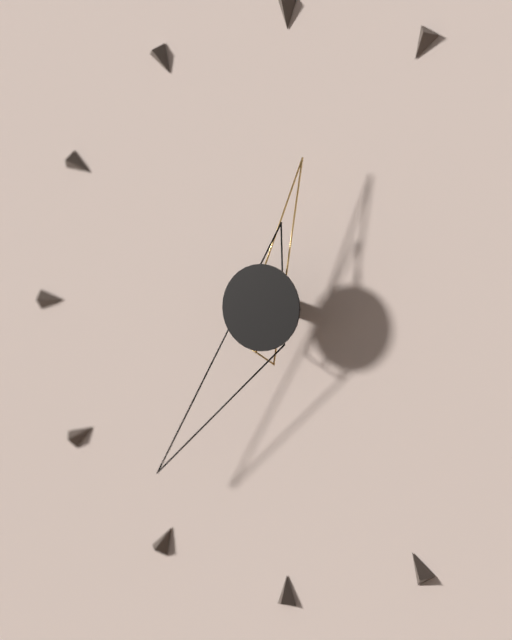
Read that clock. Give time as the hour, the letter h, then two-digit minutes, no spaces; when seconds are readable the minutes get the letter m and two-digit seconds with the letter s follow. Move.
12h36
